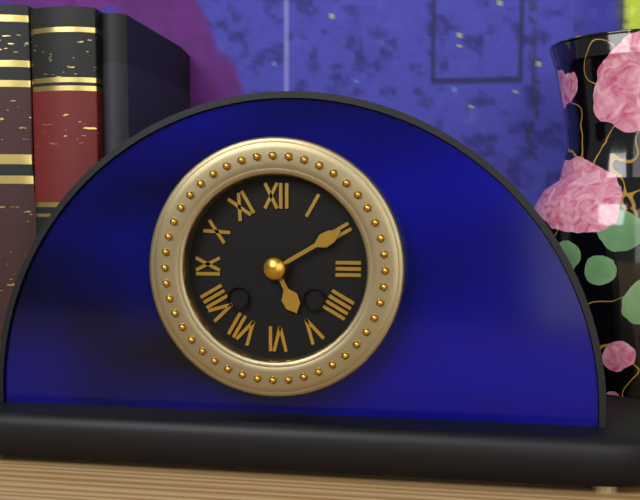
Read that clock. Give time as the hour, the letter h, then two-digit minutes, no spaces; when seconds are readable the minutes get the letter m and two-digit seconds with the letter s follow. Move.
5h10
